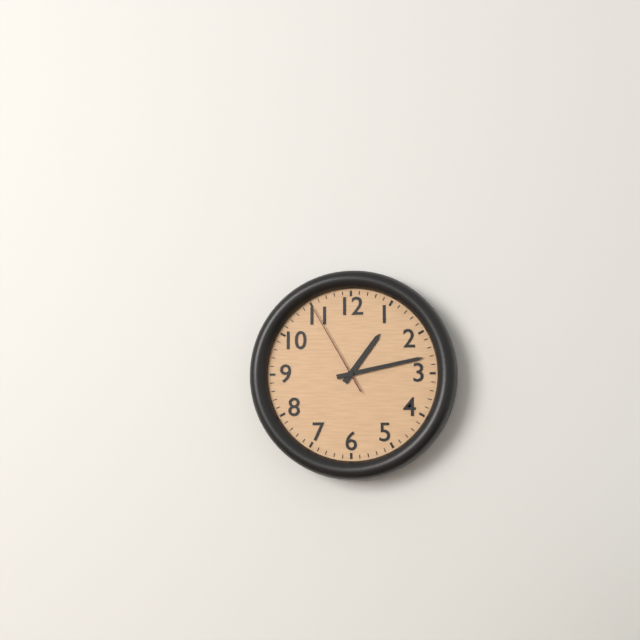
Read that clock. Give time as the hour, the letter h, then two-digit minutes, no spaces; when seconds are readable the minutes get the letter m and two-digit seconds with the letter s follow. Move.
1h13m55s
